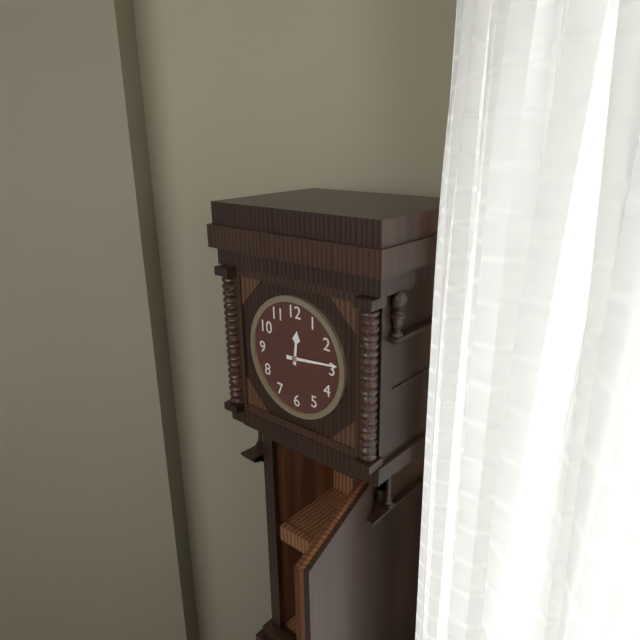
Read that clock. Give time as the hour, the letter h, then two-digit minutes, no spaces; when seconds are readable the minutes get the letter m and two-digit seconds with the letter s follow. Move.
12h14
